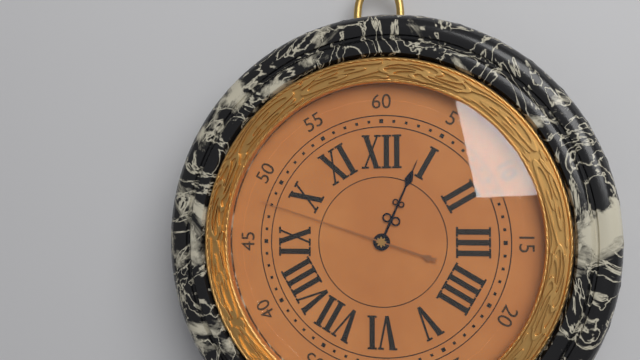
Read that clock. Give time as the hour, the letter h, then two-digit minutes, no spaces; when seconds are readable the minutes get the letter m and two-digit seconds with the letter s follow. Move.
12h48
